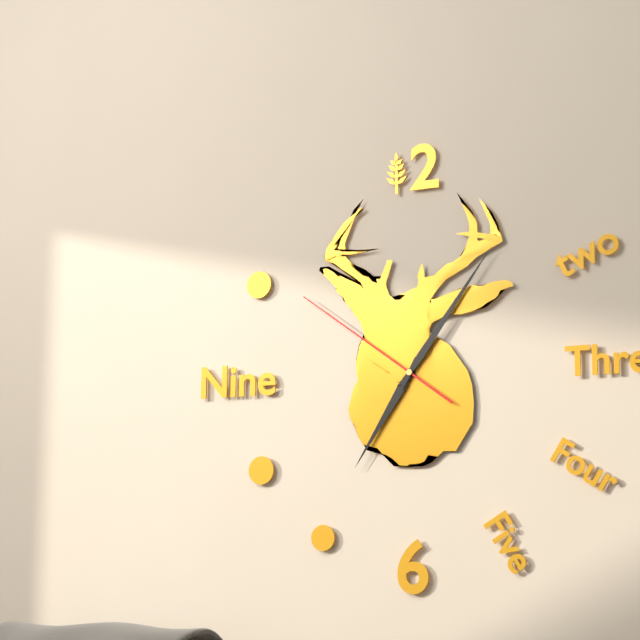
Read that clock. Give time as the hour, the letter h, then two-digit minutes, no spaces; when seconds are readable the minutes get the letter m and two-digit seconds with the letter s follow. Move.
7h06m51s
